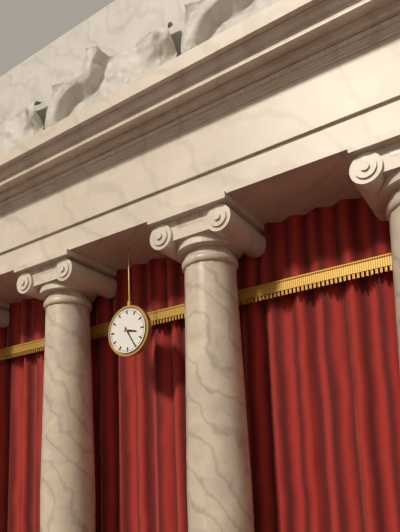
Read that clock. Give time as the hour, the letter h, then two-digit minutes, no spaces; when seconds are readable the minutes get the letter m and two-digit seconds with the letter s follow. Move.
3h25
